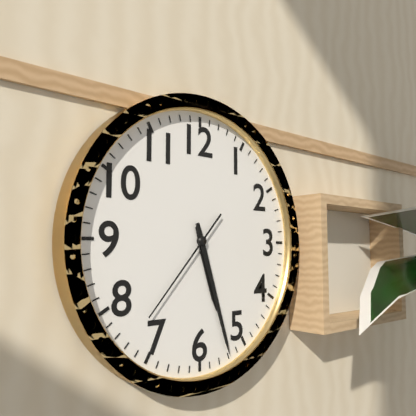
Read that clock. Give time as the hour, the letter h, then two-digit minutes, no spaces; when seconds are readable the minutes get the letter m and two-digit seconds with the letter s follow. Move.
5h27m37s
